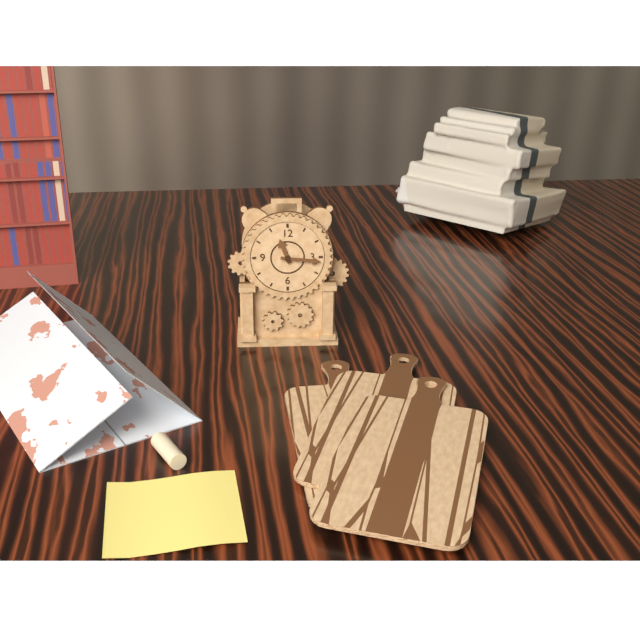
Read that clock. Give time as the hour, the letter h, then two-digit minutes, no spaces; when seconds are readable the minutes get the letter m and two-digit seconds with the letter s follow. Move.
11h16
